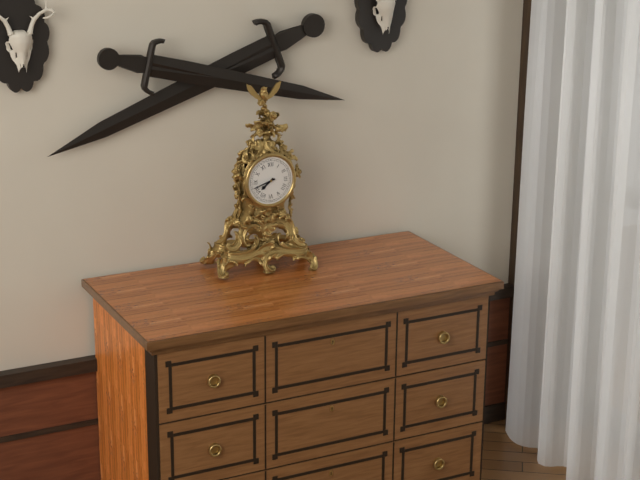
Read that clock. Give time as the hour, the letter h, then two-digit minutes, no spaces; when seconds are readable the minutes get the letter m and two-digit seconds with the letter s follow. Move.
7h42
